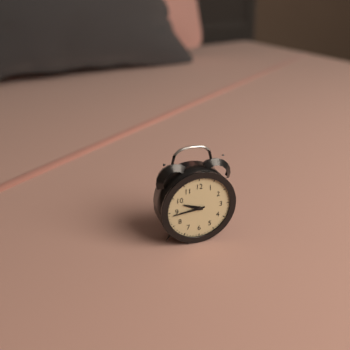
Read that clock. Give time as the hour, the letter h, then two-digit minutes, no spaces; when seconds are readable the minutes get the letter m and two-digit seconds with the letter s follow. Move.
9h44
